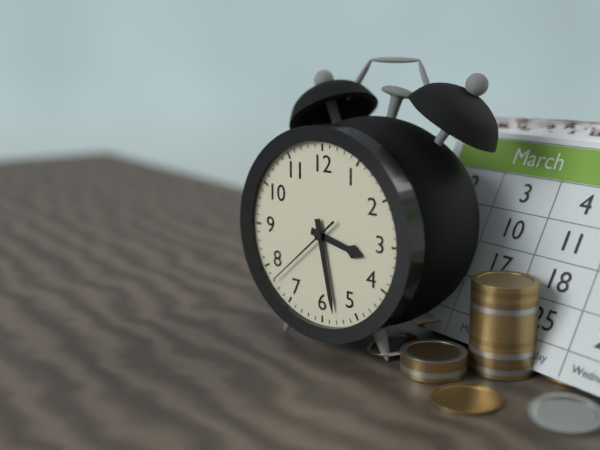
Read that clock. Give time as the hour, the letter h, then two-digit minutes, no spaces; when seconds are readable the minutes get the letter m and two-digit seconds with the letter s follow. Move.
3h28m38s
